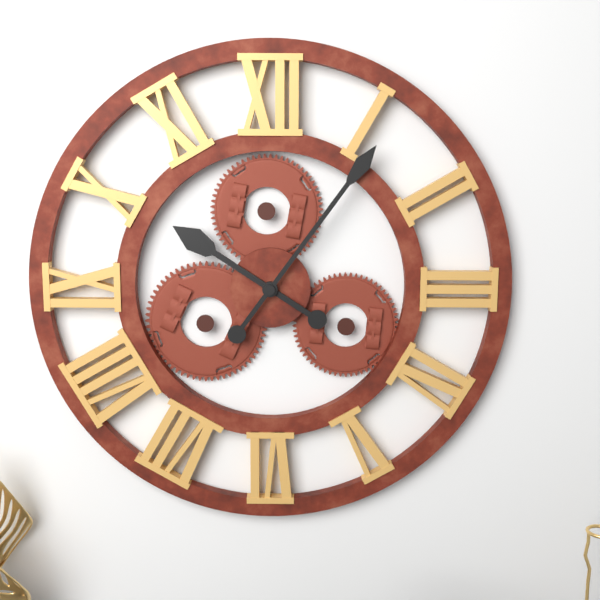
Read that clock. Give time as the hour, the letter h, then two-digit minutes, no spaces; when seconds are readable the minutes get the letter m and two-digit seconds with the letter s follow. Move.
10h06
